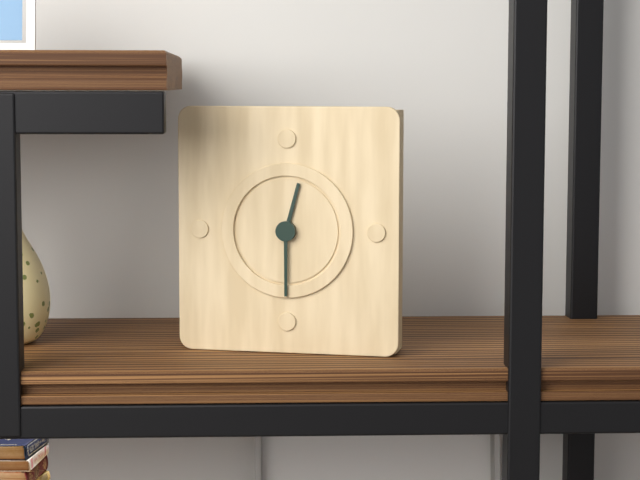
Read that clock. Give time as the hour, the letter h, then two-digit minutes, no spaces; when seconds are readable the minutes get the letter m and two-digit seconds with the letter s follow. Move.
12h30
